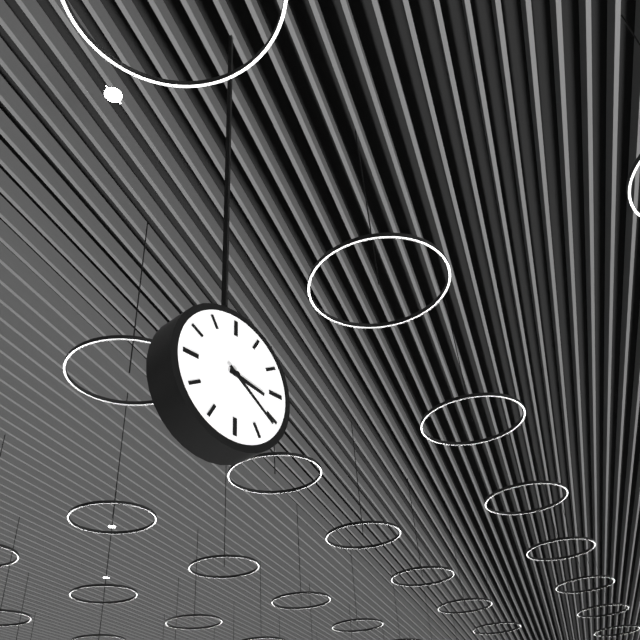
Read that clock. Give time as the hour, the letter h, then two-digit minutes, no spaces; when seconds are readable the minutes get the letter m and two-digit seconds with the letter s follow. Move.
3h21
